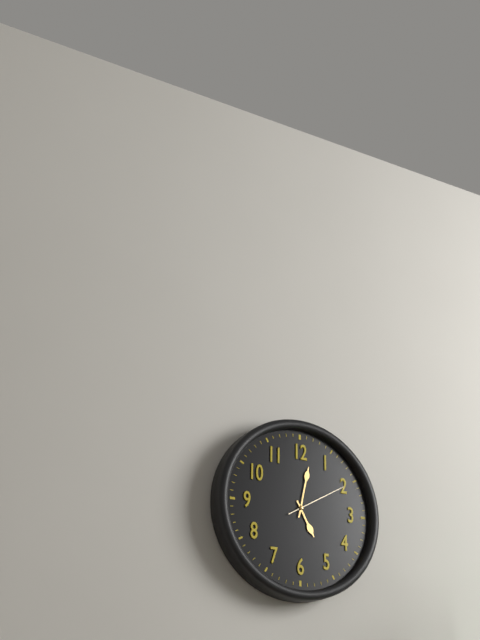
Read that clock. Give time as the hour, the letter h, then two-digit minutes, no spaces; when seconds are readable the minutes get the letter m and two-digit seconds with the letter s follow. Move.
5h02m10s
